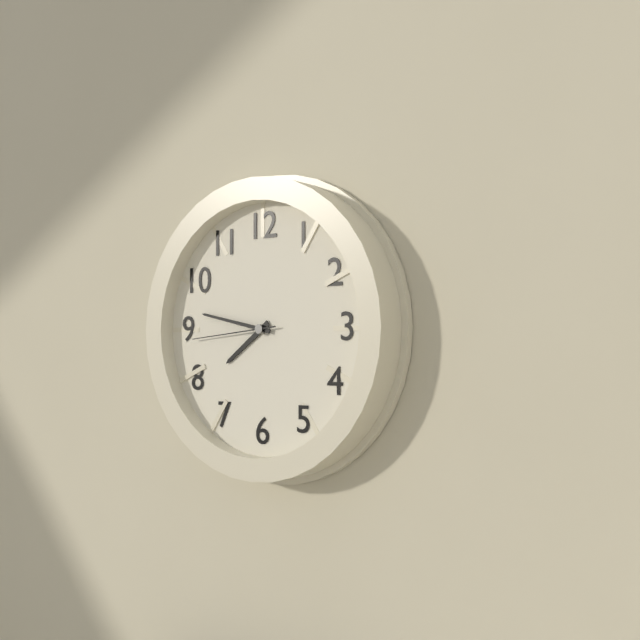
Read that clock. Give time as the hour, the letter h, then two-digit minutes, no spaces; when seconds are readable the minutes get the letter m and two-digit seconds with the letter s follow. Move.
7h47m44s
